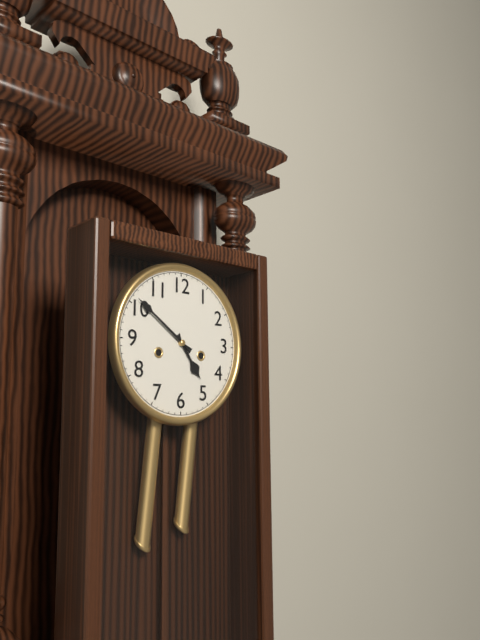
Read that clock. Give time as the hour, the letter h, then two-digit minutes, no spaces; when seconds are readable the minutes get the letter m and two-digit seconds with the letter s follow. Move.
4h51
